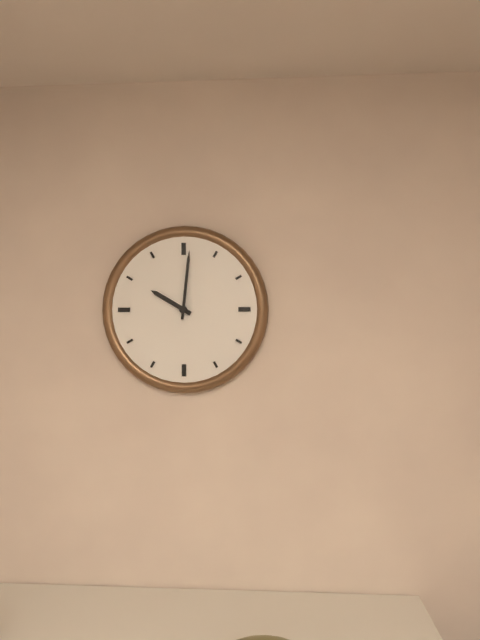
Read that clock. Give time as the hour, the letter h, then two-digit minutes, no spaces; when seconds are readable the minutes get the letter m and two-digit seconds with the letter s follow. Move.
10h01
